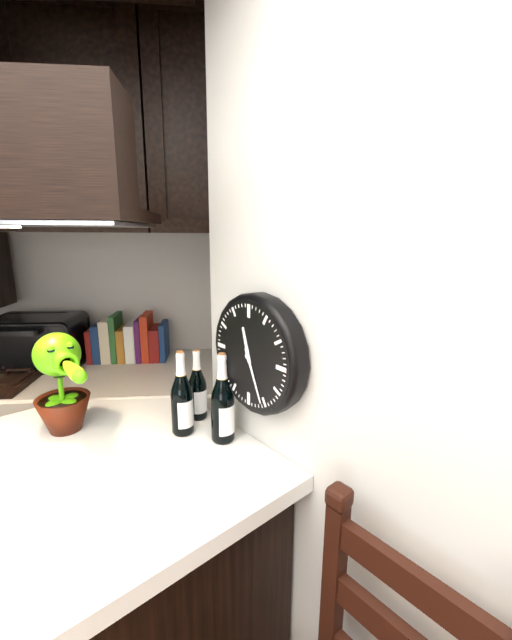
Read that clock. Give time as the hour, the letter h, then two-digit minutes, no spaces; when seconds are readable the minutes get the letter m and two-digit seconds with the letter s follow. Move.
11h26
